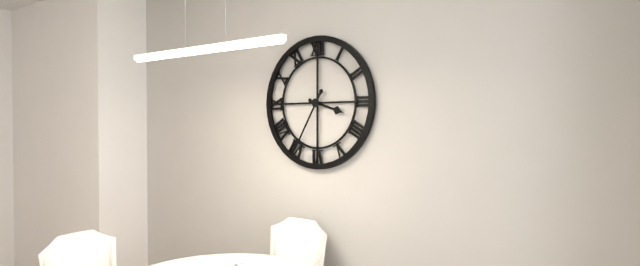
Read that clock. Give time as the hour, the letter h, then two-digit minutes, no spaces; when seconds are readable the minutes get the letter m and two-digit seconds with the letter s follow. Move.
3h35
